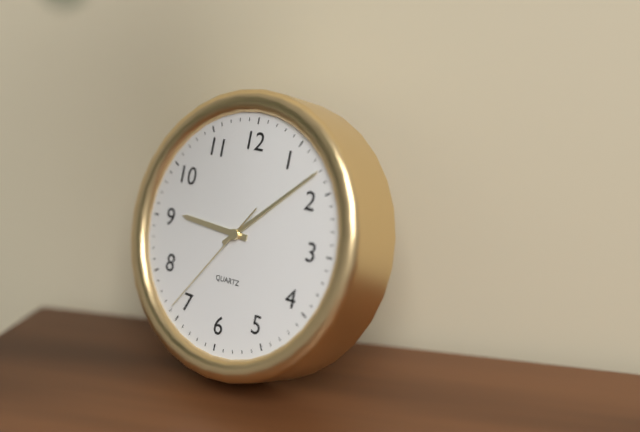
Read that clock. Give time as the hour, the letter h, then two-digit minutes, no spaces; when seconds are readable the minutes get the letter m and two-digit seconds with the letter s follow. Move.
9h08m36s
